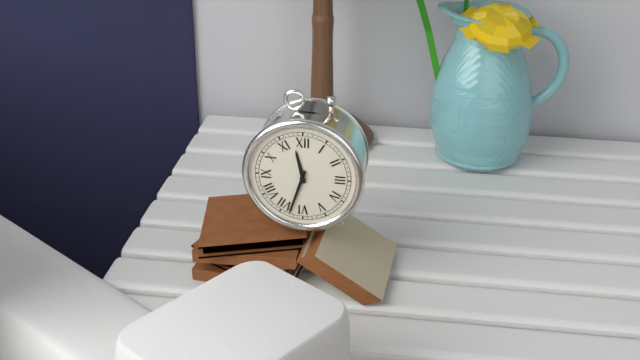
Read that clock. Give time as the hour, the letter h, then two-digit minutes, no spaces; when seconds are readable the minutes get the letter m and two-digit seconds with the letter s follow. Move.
11h33
